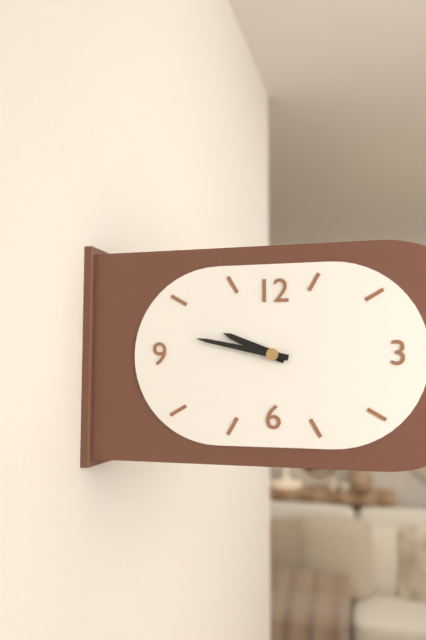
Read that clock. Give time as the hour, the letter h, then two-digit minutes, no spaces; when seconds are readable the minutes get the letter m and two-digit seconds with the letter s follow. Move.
9h47
